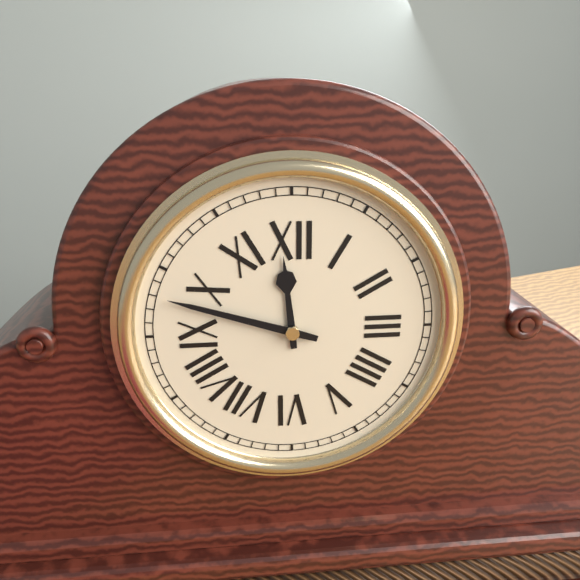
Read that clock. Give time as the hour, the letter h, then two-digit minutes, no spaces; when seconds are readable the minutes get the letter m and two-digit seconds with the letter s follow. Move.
11h48
